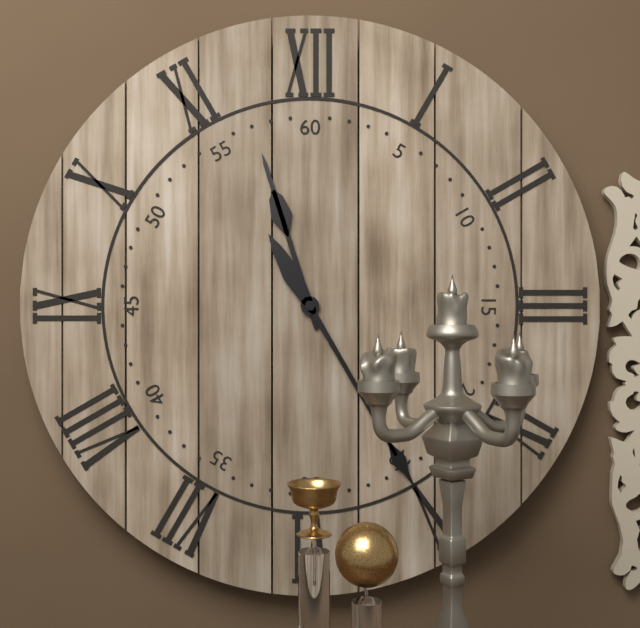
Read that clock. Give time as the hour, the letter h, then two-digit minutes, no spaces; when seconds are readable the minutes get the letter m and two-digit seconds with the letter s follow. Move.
11h25
